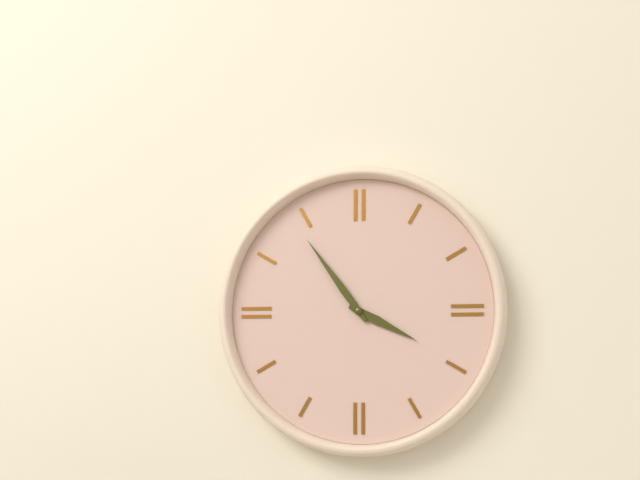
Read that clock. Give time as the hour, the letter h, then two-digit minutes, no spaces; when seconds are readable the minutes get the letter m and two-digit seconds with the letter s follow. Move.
3h54
